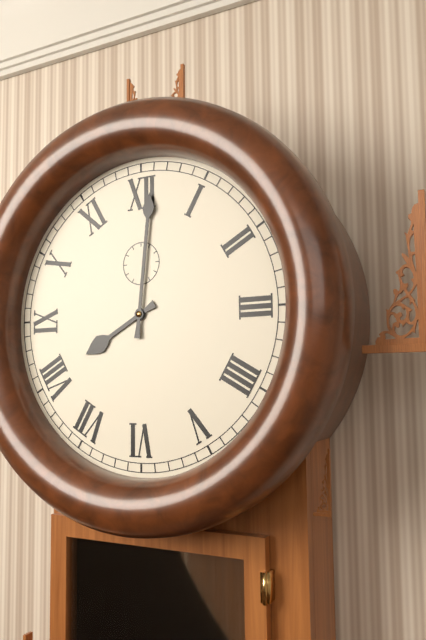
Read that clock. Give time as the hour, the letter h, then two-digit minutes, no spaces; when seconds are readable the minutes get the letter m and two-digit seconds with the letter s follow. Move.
8h01
